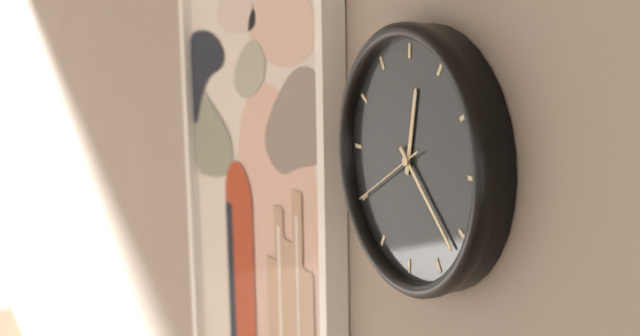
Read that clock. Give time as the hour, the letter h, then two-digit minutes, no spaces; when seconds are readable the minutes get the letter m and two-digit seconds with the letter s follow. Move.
12h22m40s
